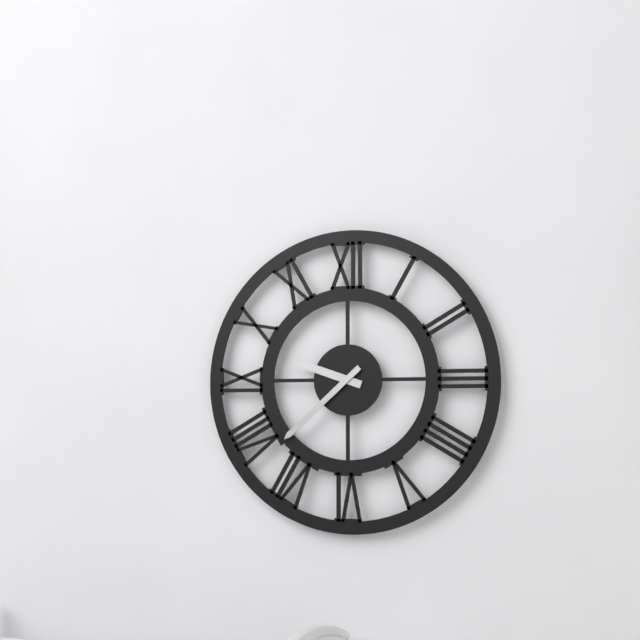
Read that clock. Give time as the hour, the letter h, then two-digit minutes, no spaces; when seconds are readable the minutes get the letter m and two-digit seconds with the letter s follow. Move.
9h38
